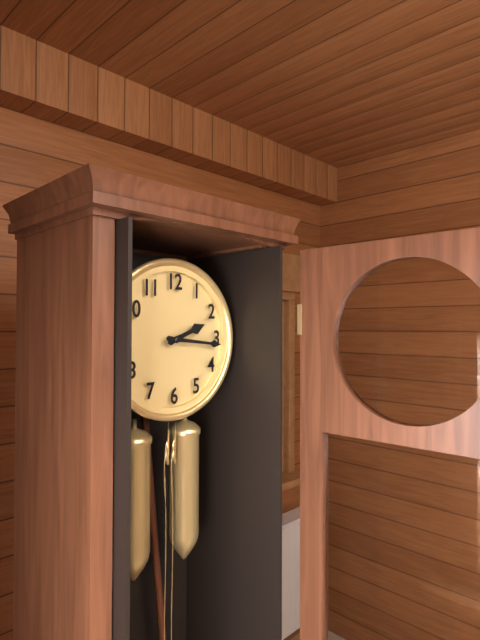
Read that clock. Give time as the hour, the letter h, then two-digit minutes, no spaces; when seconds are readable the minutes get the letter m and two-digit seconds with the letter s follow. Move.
2h16
